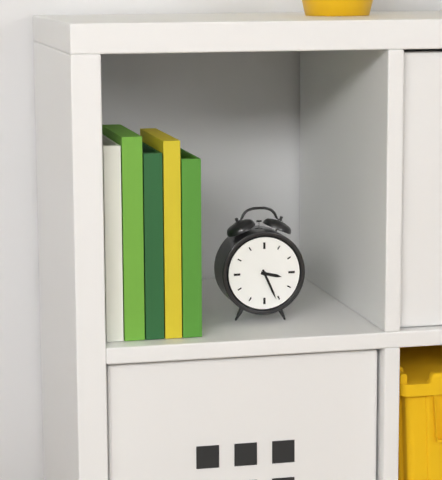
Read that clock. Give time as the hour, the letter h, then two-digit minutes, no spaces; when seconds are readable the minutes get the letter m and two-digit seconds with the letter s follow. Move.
3h26
